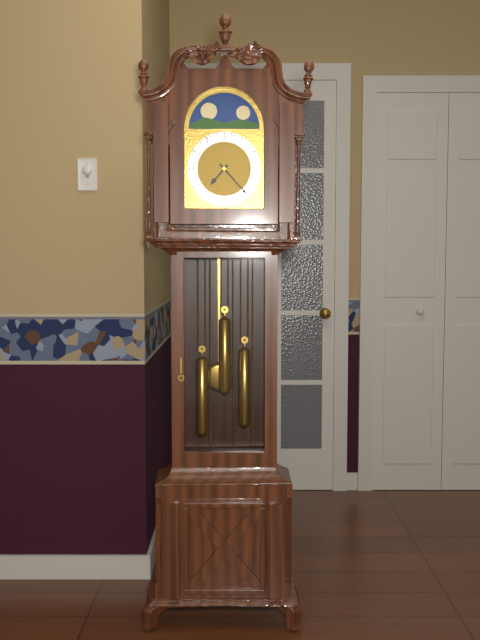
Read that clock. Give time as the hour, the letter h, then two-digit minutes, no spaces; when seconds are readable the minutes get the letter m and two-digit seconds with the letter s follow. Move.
7h23
